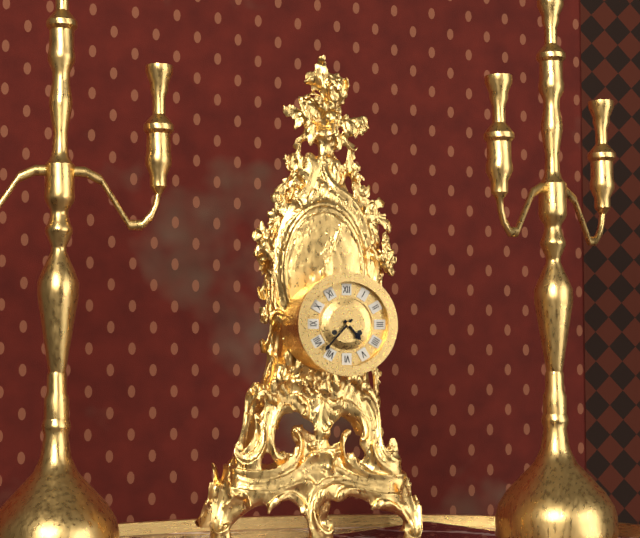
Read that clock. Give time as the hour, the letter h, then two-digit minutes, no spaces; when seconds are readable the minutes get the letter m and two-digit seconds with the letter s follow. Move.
4h37
